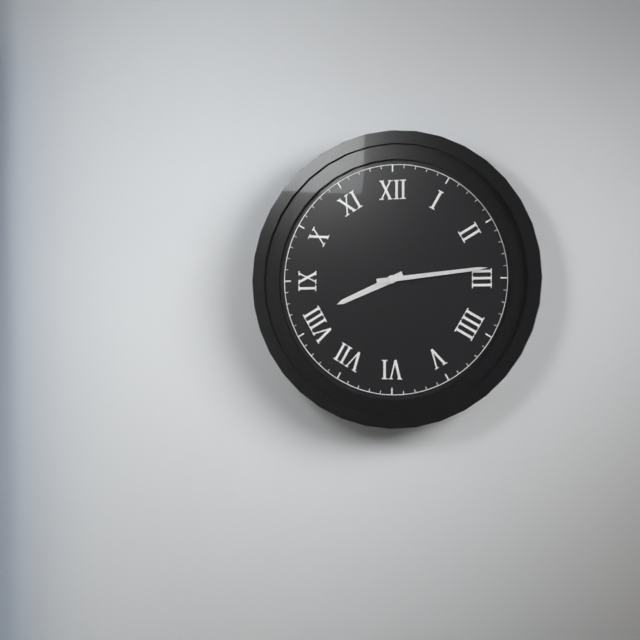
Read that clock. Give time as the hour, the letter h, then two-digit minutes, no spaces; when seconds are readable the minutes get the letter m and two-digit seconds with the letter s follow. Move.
8h14
